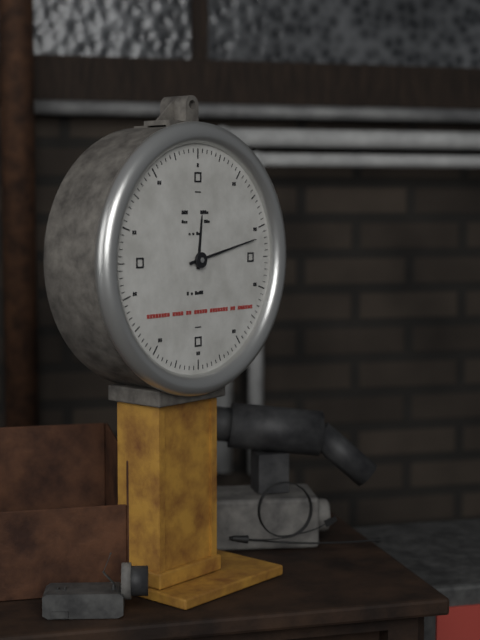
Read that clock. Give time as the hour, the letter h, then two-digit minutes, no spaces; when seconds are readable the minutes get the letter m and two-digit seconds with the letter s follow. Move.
12h13
